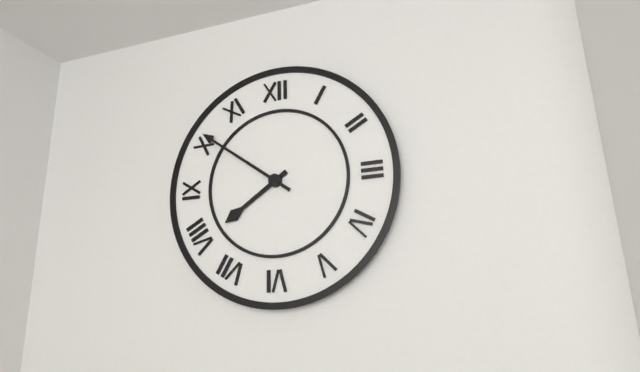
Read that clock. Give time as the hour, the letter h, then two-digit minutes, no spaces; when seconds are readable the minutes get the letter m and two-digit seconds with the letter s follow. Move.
7h51
